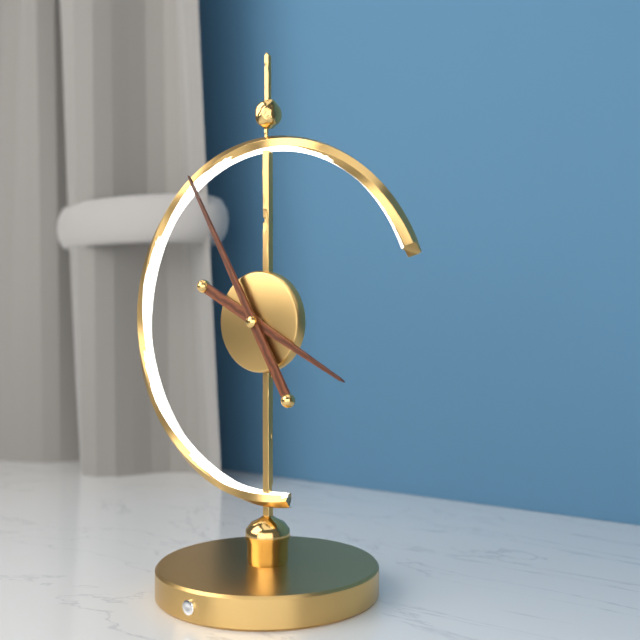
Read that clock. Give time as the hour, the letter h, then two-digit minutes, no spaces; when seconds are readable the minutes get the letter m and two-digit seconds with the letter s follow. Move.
3h55
